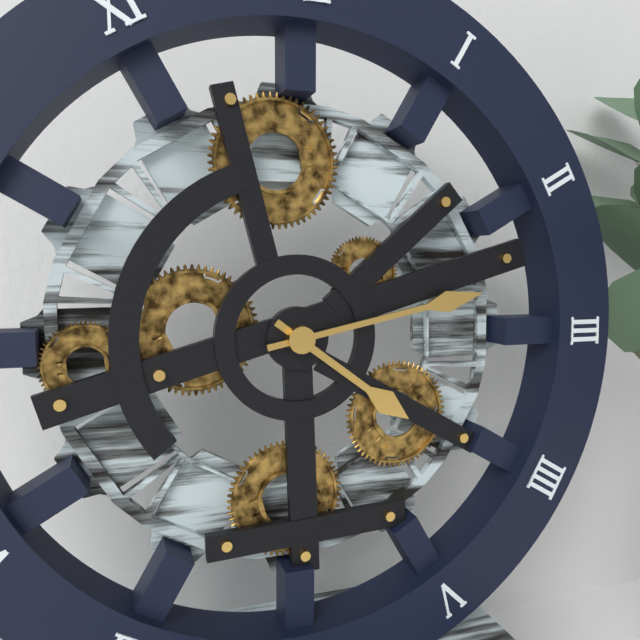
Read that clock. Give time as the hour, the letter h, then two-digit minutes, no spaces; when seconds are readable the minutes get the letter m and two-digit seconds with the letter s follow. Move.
4h13
